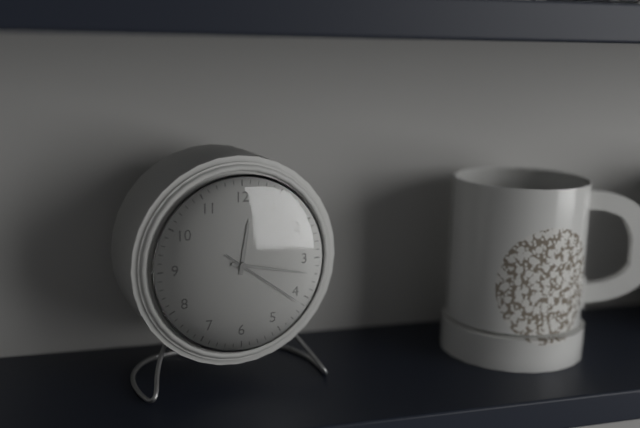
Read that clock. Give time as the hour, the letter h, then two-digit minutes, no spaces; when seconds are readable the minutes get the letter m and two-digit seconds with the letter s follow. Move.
12h17m21s
